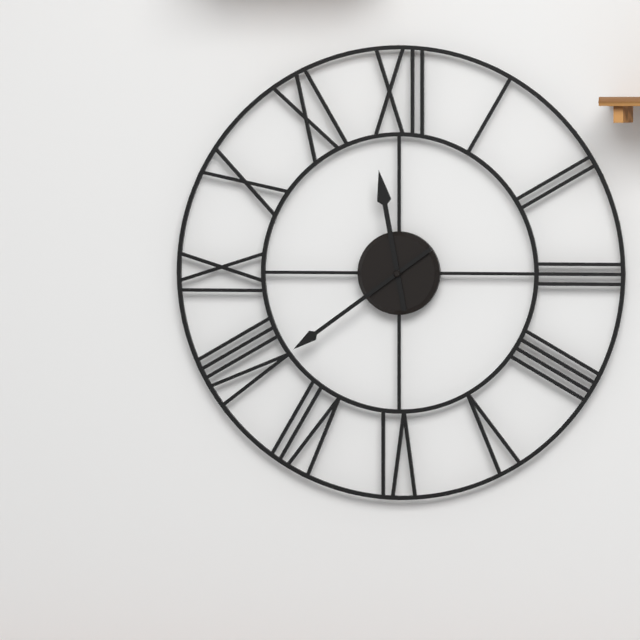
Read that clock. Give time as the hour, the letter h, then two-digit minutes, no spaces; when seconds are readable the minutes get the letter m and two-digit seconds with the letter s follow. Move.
11h39
